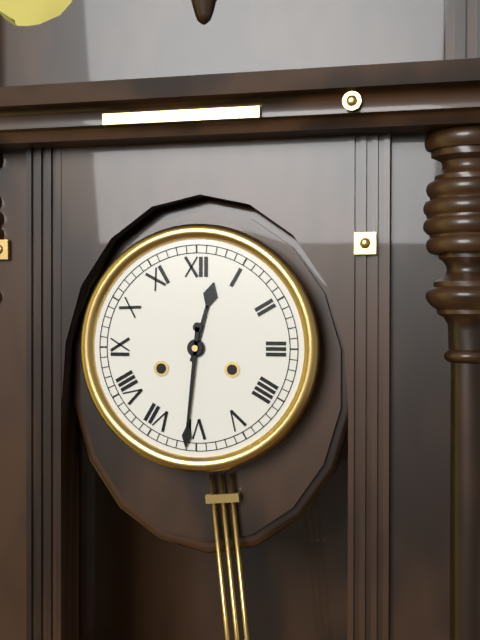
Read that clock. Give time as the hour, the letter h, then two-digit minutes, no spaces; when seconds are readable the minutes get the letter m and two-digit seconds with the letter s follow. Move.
12h31
